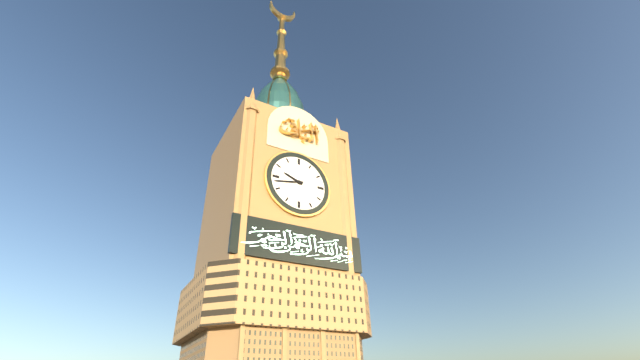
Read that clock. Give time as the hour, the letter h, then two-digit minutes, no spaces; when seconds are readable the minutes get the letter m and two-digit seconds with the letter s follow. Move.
9h43
